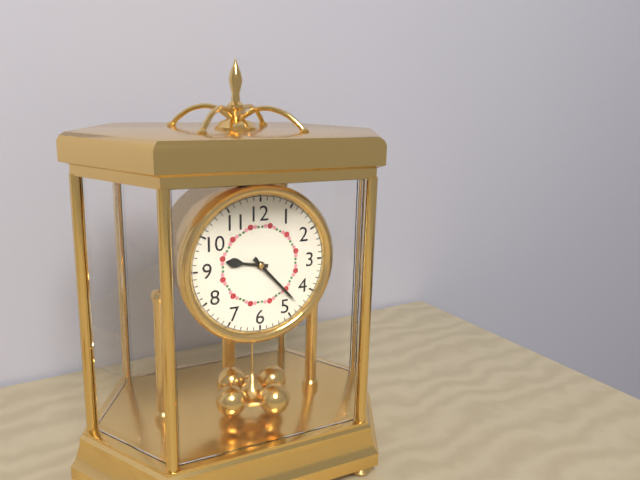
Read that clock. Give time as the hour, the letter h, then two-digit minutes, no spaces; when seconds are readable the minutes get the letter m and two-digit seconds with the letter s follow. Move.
9h23
